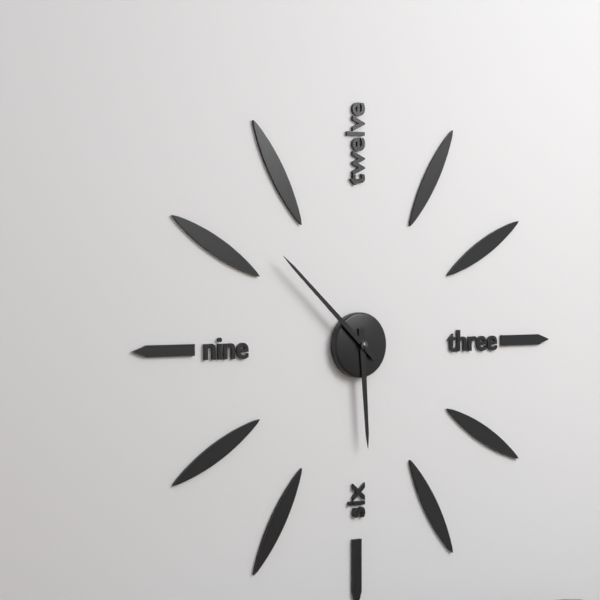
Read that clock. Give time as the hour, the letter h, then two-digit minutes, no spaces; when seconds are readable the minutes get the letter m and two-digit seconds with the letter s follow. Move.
5h52
